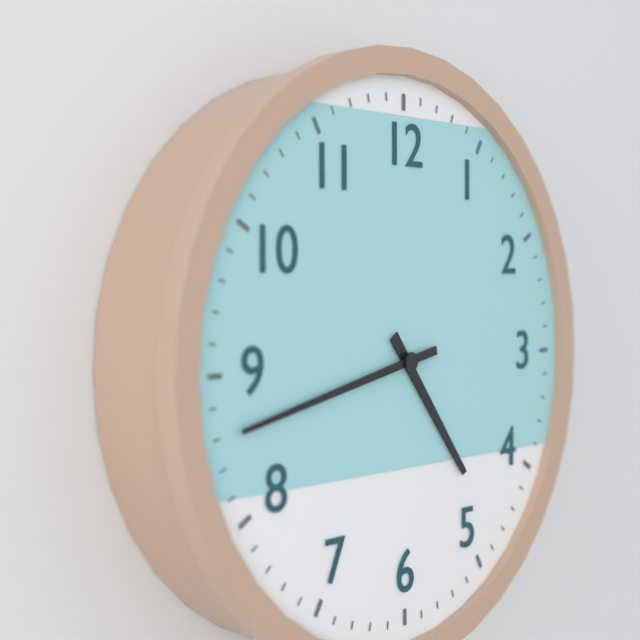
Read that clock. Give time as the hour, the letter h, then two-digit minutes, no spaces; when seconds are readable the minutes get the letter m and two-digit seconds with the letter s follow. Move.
4h43
